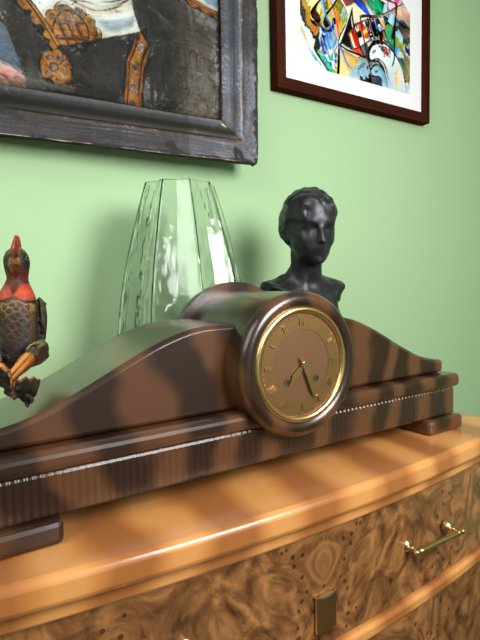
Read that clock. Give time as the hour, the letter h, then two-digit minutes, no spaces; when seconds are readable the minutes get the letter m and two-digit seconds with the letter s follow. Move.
7h26
